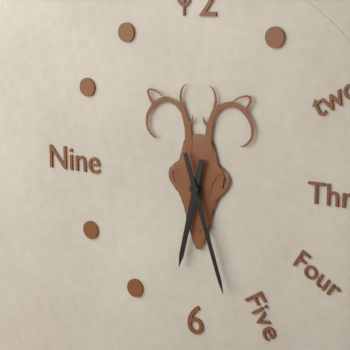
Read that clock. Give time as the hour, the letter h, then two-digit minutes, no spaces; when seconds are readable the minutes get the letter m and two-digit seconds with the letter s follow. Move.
6h27
